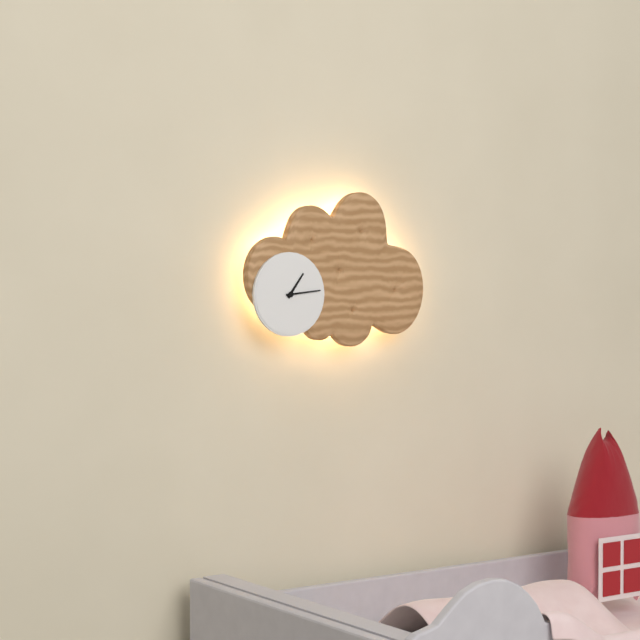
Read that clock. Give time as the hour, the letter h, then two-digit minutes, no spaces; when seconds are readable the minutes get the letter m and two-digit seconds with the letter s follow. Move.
1h14
